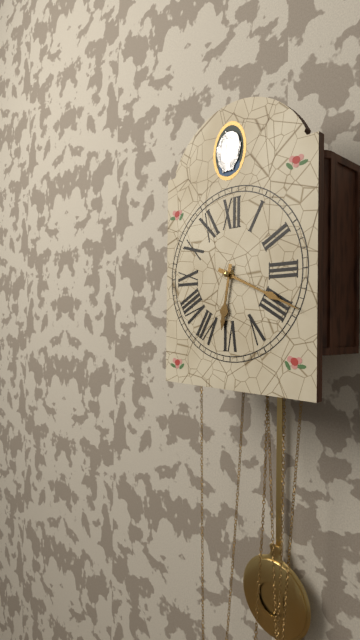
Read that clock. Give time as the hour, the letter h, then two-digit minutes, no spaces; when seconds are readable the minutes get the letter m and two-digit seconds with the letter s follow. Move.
6h19
